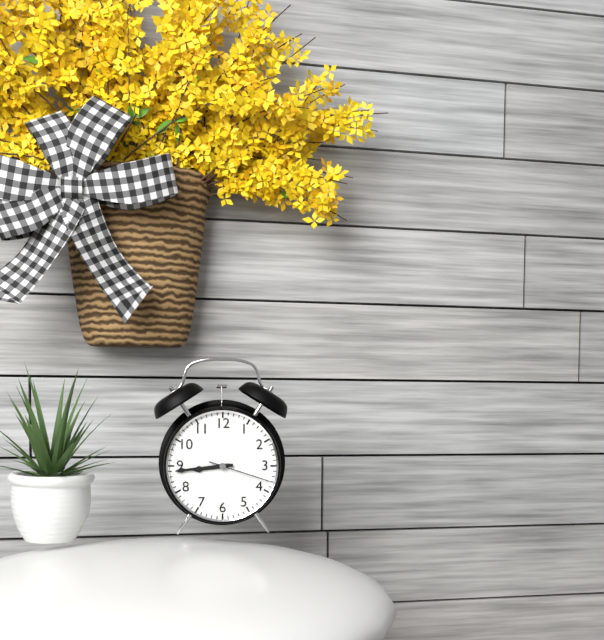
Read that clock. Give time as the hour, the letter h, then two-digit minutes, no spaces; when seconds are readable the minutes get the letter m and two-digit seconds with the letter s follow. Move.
8h44m18s
